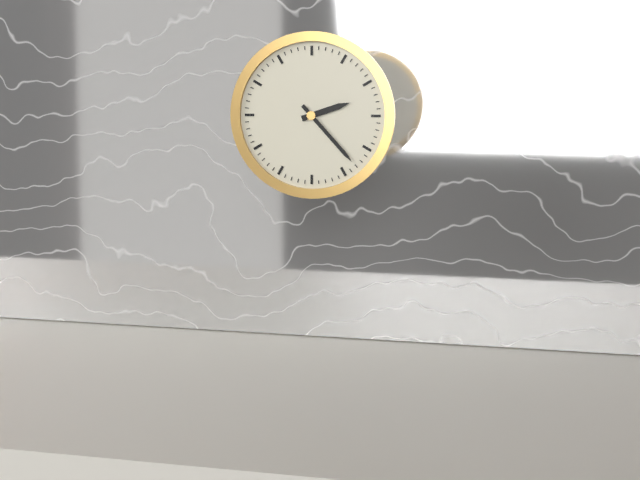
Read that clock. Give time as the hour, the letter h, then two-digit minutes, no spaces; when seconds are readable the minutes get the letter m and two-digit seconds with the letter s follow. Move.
2h23
